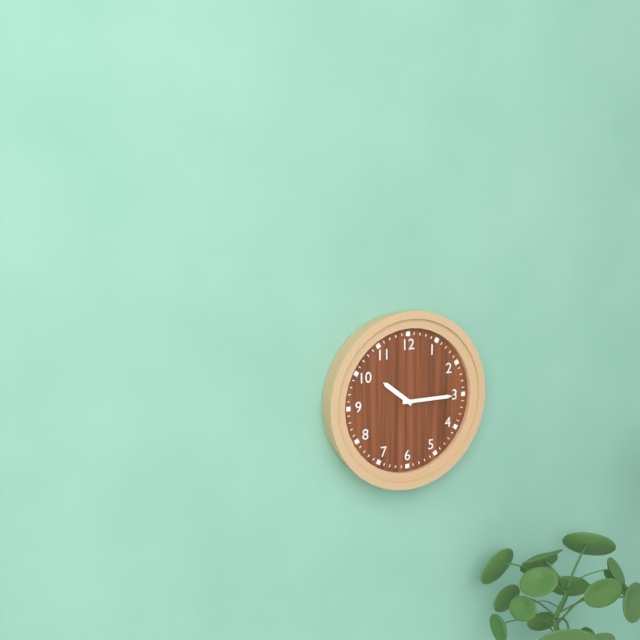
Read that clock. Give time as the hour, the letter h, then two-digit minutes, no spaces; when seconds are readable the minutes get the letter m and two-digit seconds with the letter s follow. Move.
10h15
